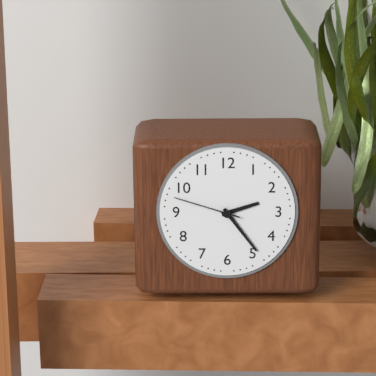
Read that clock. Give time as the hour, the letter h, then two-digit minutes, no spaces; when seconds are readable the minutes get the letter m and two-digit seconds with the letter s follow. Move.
2h24m48s
